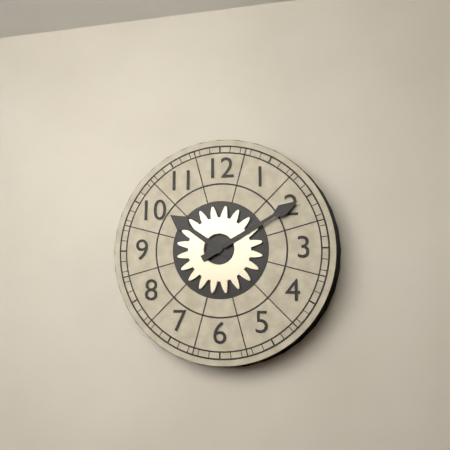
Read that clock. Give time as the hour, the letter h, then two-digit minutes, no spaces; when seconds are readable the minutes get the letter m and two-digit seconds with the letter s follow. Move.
10h10
